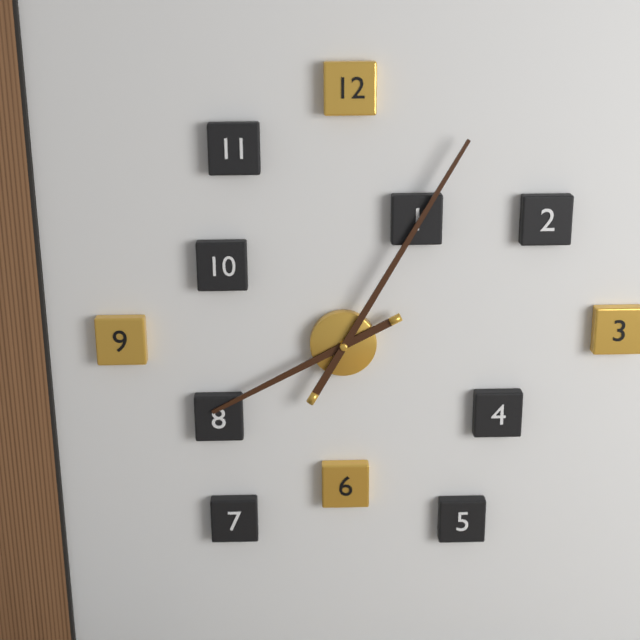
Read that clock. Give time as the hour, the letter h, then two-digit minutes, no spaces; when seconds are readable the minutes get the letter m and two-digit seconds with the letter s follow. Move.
8h05
